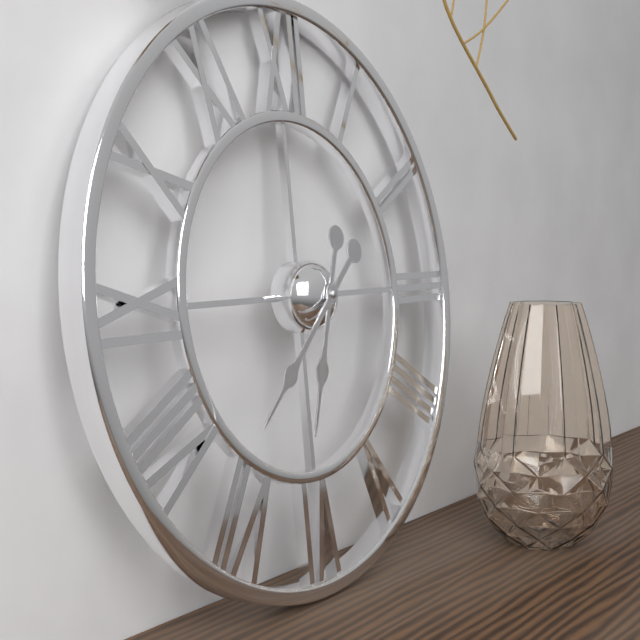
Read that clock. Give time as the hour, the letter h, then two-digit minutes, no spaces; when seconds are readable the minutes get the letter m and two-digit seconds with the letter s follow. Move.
6h38
